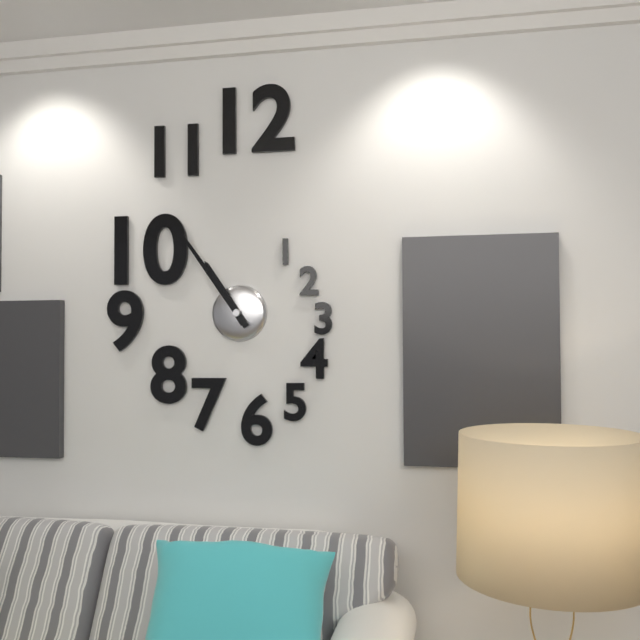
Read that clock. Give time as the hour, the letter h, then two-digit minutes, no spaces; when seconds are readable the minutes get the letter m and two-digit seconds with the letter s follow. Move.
10h54
